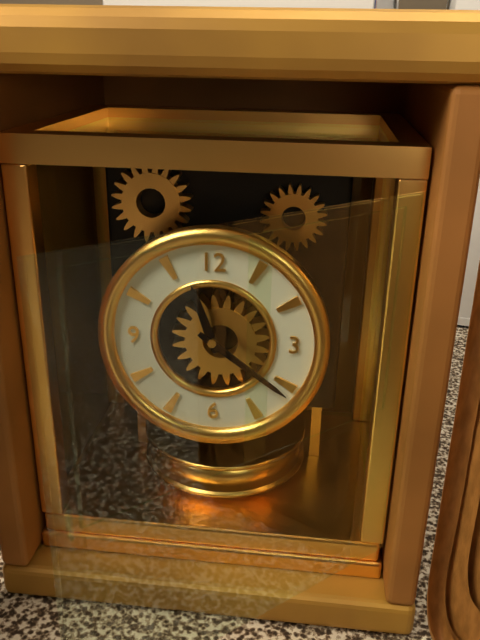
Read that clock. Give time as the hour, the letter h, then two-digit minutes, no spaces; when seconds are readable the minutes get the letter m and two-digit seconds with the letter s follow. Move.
11h21
